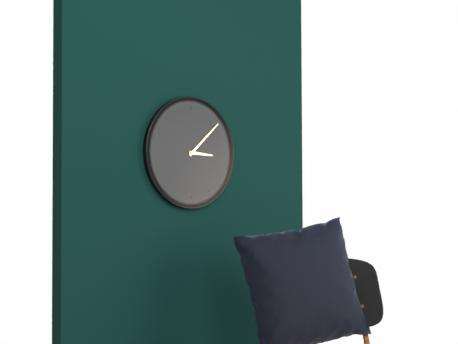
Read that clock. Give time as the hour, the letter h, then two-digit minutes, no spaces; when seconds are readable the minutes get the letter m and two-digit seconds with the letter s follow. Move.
3h08
